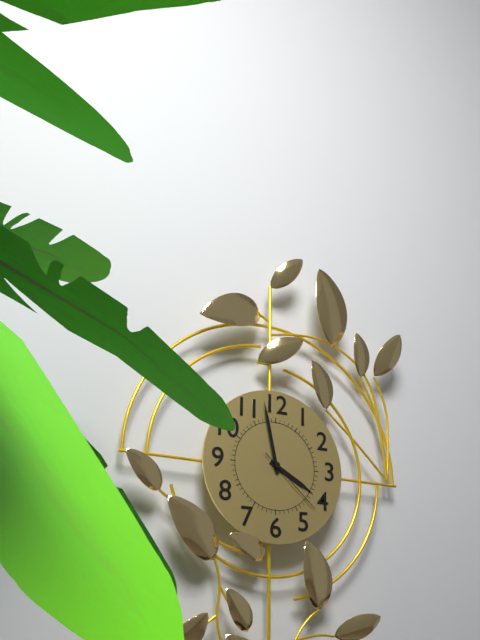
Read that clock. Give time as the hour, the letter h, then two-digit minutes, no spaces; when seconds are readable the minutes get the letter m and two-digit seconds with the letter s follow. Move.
3h58m22s
